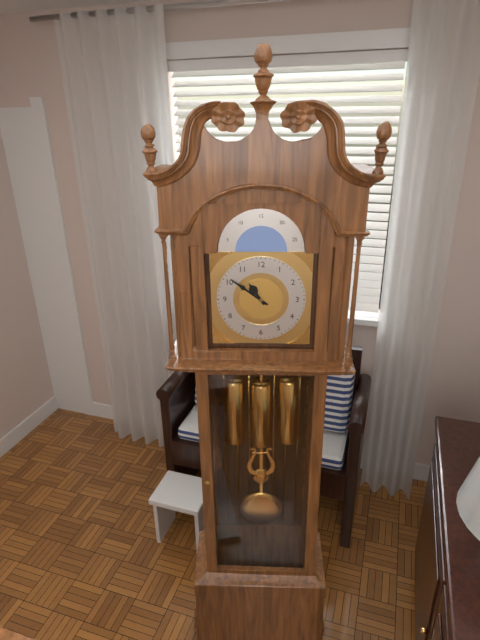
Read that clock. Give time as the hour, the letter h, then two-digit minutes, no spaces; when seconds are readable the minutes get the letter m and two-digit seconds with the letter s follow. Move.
10h51
